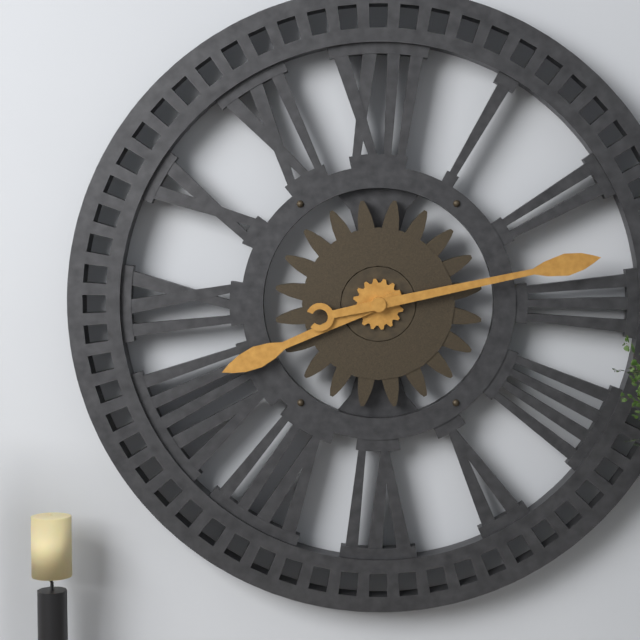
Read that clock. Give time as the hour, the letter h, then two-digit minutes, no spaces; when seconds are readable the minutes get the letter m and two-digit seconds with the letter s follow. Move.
8h13
